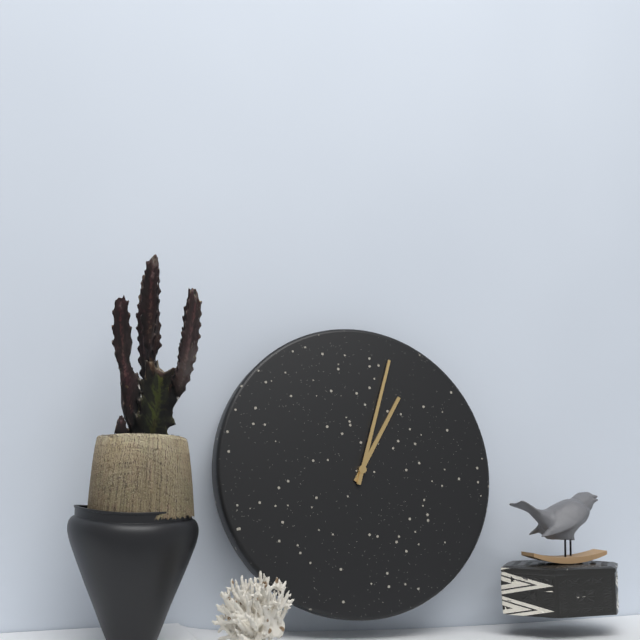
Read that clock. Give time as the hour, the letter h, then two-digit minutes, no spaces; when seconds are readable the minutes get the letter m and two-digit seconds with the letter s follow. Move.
1h03
